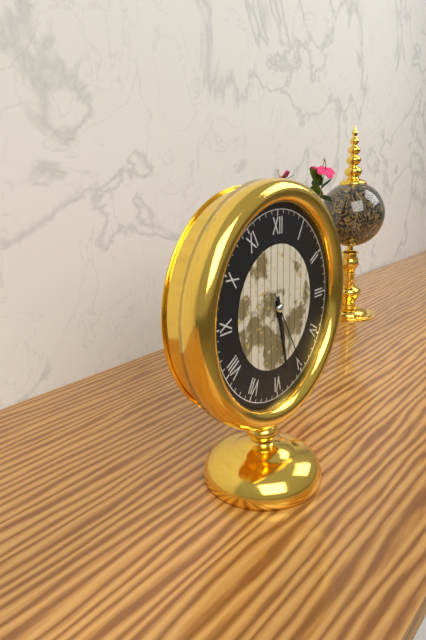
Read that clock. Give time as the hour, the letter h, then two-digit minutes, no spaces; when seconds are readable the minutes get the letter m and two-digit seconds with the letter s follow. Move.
5h28m25s
